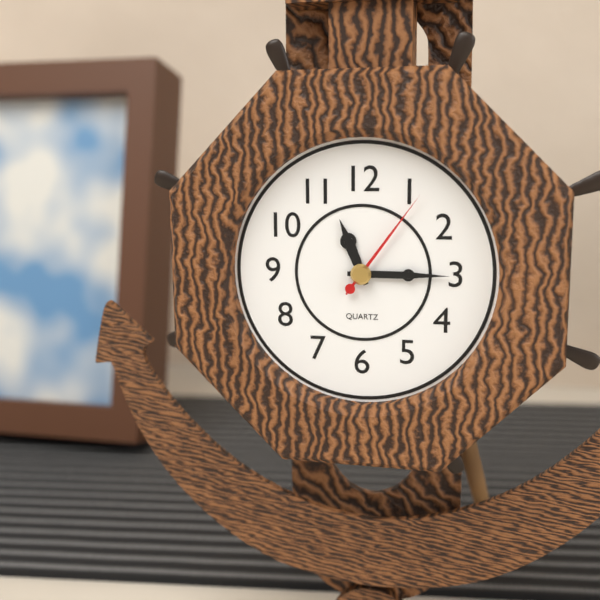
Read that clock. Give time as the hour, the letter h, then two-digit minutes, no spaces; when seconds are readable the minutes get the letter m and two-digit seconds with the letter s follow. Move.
11h15m06s
